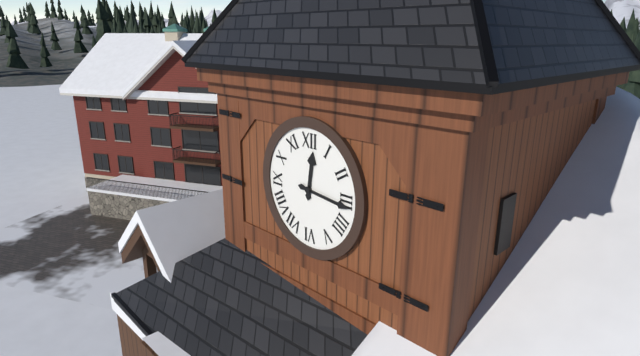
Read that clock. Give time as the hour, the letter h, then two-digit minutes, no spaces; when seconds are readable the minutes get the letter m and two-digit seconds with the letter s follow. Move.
12h16
